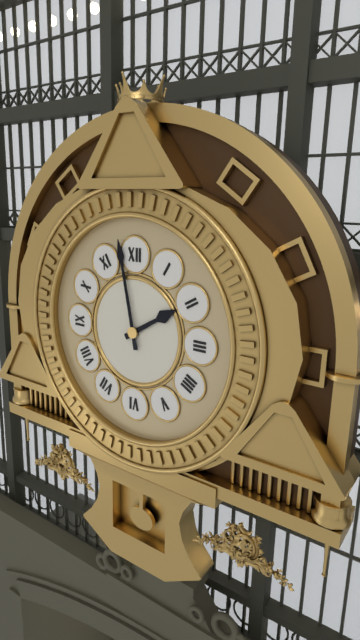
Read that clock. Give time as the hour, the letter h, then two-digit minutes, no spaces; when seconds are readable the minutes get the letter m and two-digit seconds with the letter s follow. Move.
1h58
